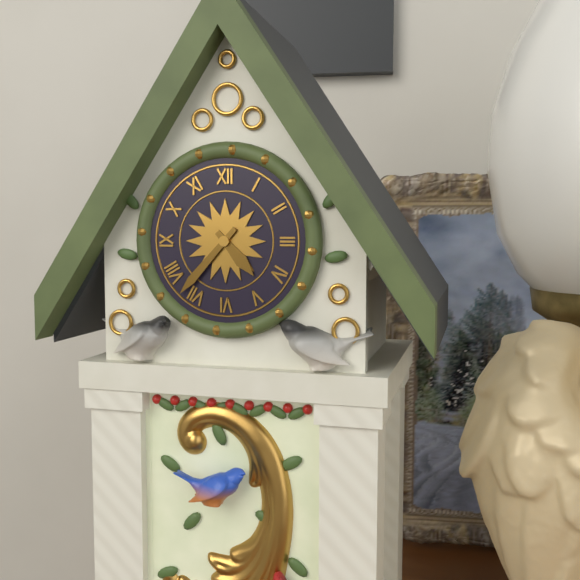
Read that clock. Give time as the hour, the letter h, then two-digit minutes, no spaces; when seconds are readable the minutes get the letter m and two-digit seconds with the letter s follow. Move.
4h37
